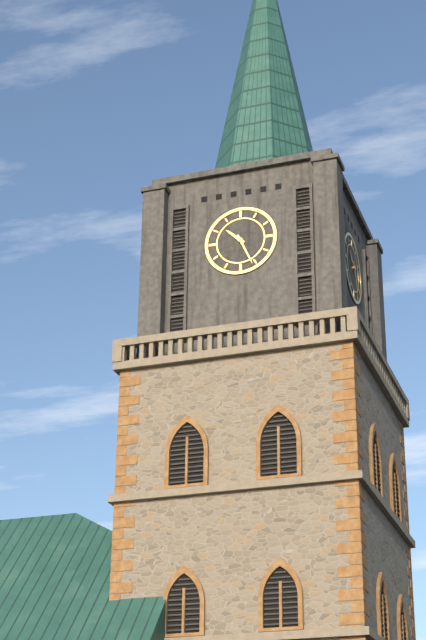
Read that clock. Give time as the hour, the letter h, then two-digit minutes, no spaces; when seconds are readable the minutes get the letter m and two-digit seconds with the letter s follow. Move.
10h26
